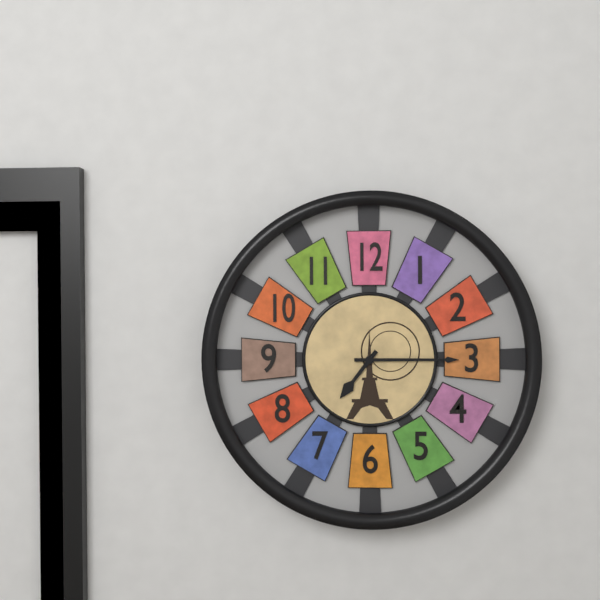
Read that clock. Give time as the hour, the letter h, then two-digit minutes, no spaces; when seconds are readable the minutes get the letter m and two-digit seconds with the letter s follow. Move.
7h15
